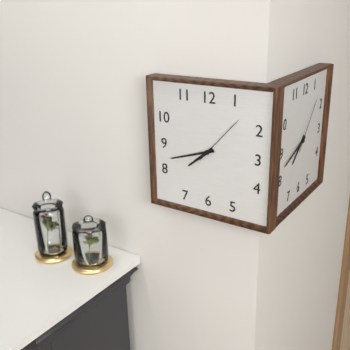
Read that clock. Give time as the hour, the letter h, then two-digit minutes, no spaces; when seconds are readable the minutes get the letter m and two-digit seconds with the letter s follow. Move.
7h42m07s
